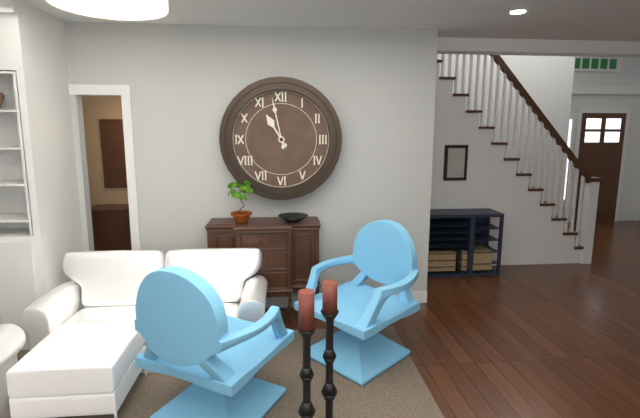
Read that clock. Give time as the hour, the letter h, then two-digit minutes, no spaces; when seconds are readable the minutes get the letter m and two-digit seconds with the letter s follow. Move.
10h58
